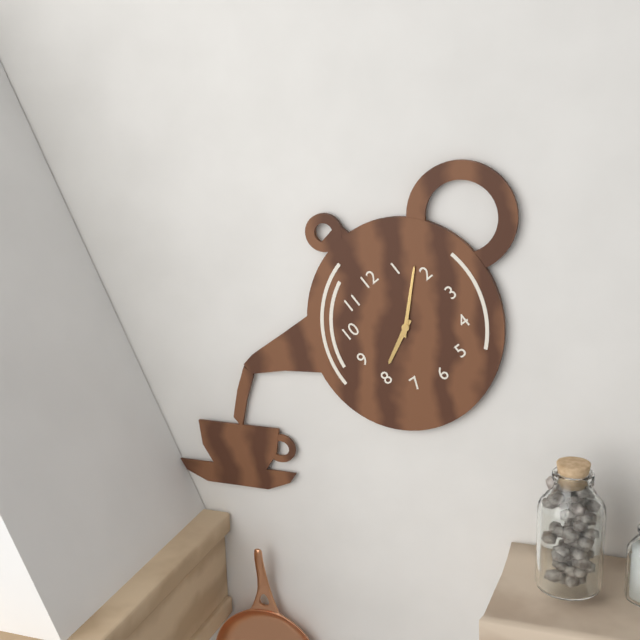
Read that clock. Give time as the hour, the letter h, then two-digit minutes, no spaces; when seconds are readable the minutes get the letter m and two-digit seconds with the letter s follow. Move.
8h08
